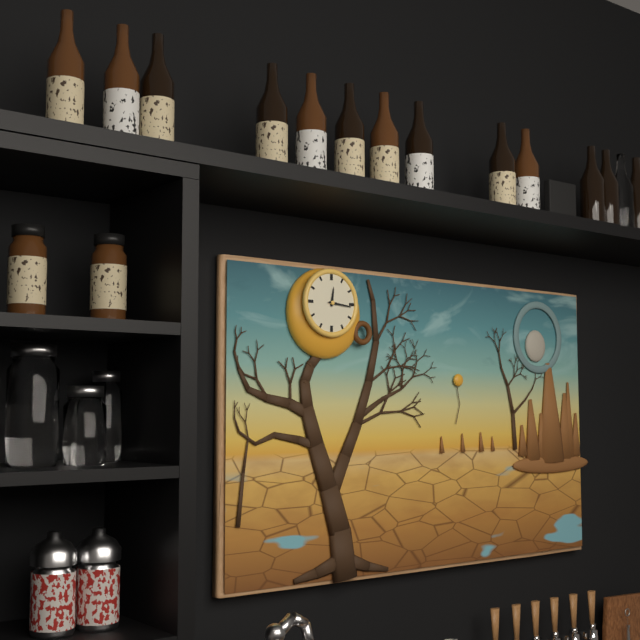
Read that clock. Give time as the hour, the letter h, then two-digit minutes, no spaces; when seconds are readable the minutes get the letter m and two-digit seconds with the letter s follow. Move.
12h16
